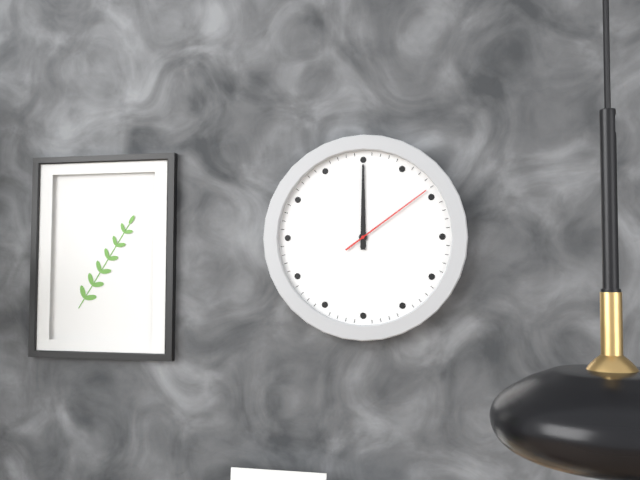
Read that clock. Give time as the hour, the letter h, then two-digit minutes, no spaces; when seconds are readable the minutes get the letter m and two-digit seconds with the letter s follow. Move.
12h00m09s
